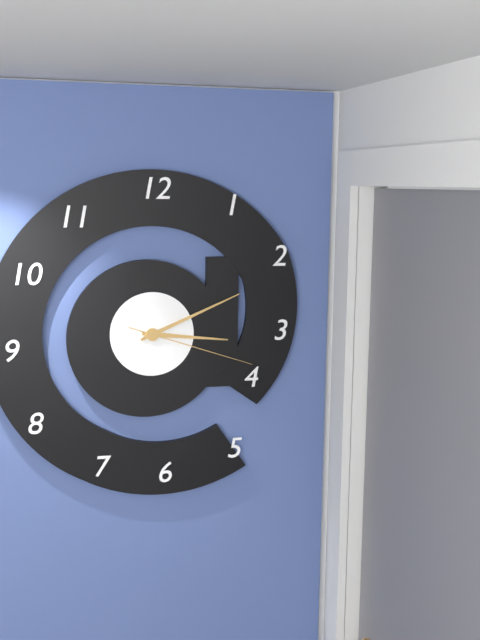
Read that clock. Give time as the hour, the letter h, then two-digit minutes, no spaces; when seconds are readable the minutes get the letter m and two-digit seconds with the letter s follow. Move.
3h11m18s
